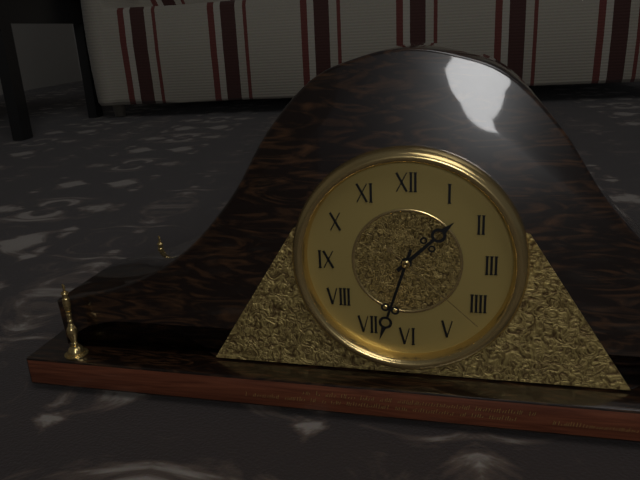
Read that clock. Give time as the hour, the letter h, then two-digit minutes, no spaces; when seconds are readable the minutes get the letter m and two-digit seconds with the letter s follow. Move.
1h33m22s
